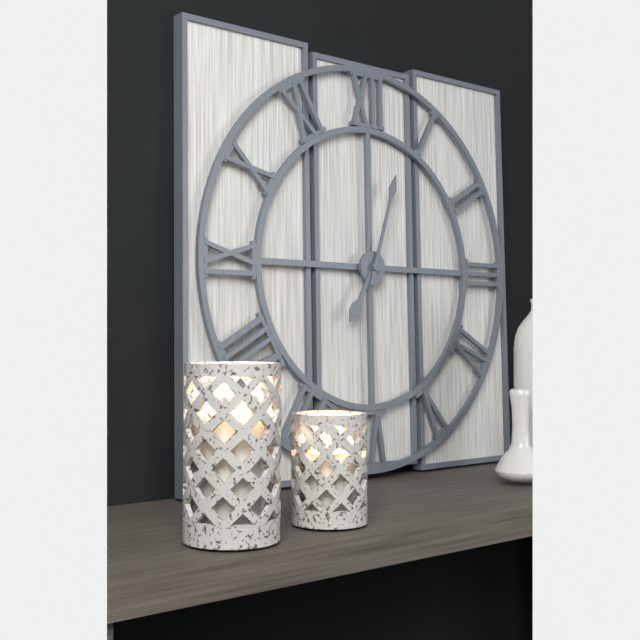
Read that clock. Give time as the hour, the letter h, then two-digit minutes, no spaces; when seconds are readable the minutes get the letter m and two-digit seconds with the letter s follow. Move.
7h03
